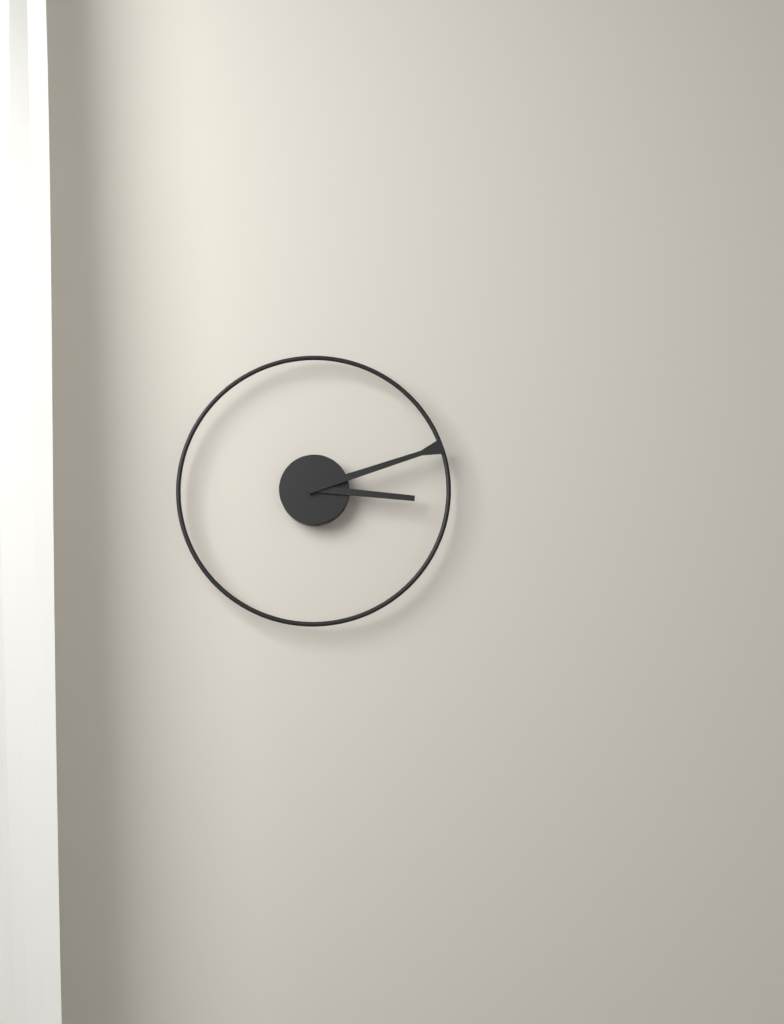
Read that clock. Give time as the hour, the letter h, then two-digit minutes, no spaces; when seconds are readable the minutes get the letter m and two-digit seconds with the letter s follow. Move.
3h12
